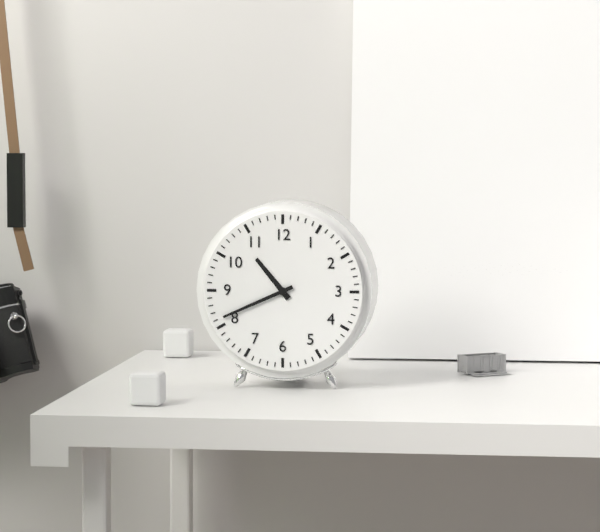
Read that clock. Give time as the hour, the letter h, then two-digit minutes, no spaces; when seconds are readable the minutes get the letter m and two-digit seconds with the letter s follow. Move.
10h41
